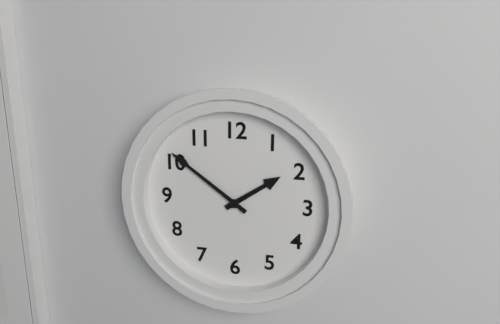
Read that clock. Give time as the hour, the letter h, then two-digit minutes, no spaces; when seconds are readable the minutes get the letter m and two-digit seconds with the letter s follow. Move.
1h51
